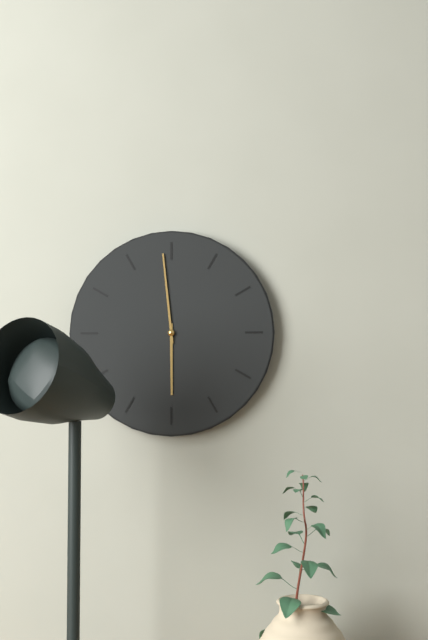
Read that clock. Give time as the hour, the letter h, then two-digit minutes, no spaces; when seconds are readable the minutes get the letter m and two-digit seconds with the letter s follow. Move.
5h59
